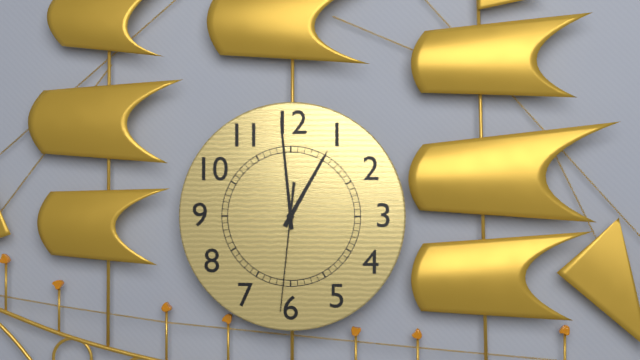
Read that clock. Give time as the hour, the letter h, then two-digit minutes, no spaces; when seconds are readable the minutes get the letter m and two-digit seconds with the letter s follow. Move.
12h59m31s
